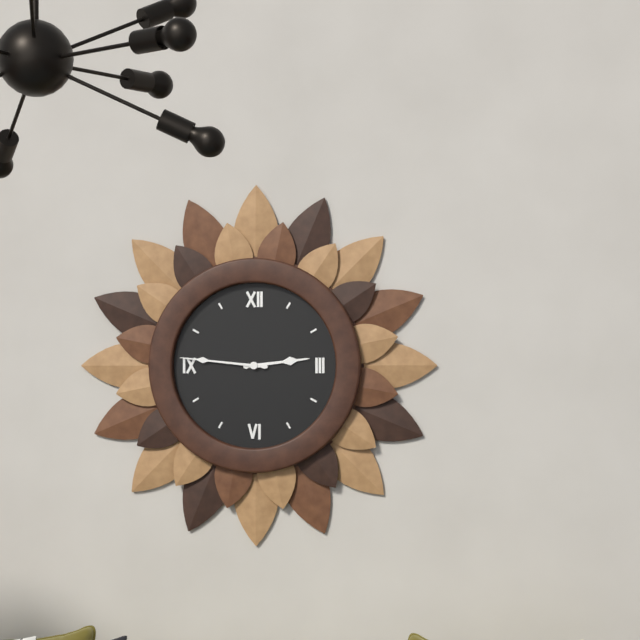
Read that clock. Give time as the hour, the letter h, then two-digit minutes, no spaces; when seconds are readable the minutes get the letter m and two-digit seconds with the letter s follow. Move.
2h46
